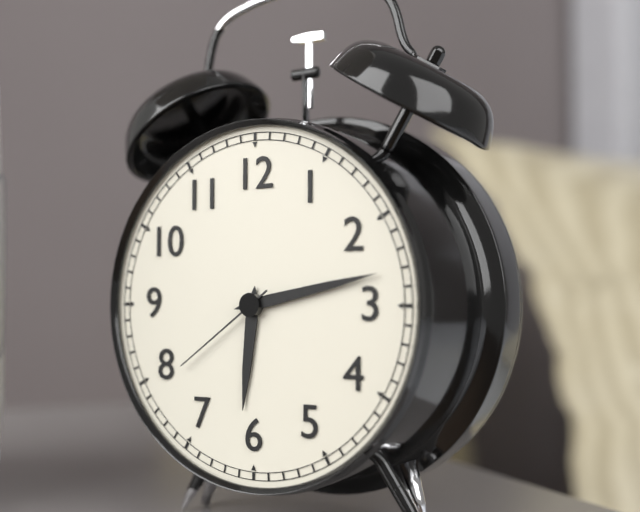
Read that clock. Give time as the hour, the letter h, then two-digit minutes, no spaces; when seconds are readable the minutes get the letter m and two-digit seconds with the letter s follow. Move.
6h13m39s
